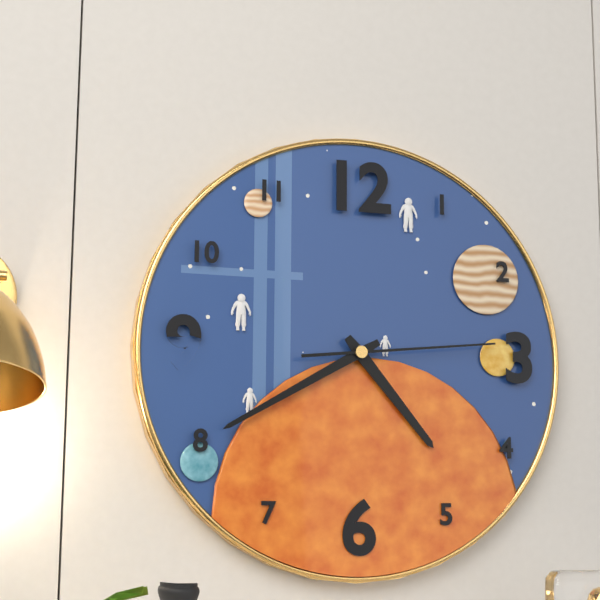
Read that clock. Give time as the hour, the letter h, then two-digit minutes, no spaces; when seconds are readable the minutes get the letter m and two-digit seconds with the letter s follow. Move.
4h40m14s
